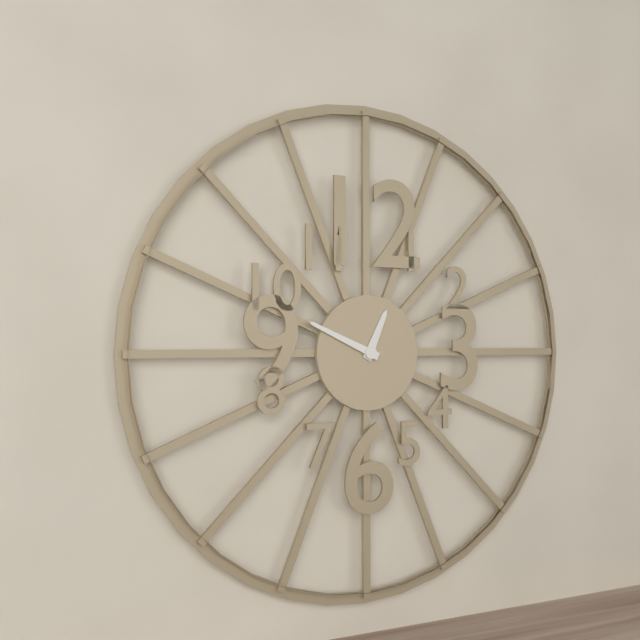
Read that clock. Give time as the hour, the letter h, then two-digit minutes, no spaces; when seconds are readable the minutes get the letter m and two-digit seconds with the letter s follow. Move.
12h49
